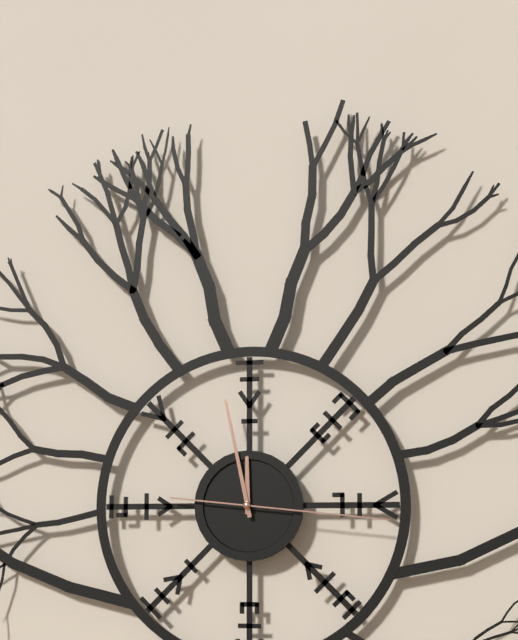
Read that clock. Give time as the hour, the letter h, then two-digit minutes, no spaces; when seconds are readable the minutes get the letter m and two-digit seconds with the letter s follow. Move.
11h58m16s
